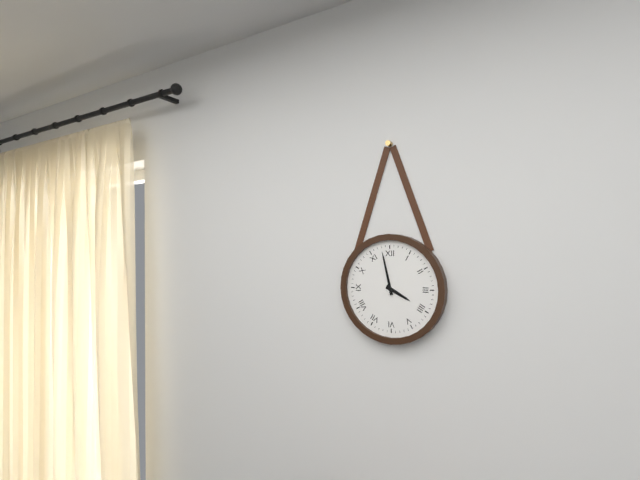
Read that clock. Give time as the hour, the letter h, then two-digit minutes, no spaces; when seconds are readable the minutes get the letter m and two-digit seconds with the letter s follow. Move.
3h58
